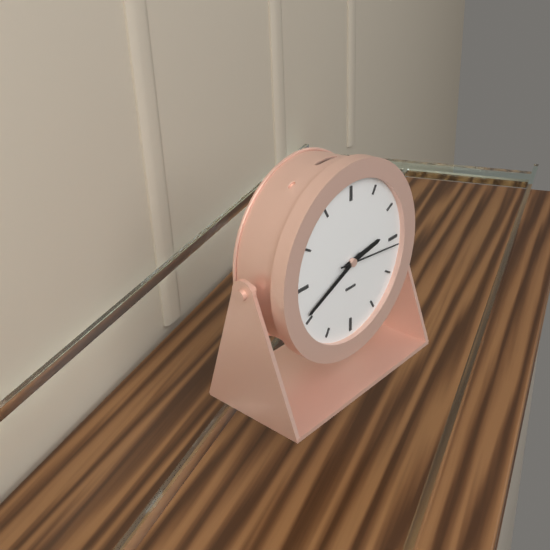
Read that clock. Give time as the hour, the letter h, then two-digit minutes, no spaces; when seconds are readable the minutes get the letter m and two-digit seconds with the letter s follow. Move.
2h41m16s
